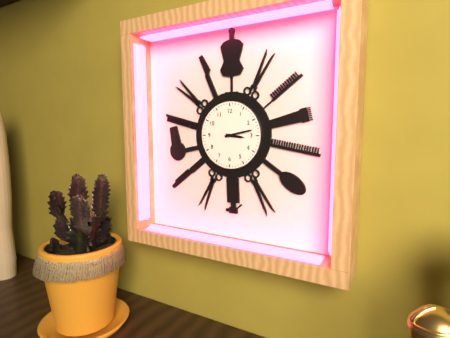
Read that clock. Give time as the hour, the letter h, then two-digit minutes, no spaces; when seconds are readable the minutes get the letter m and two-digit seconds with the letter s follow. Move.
3h13
